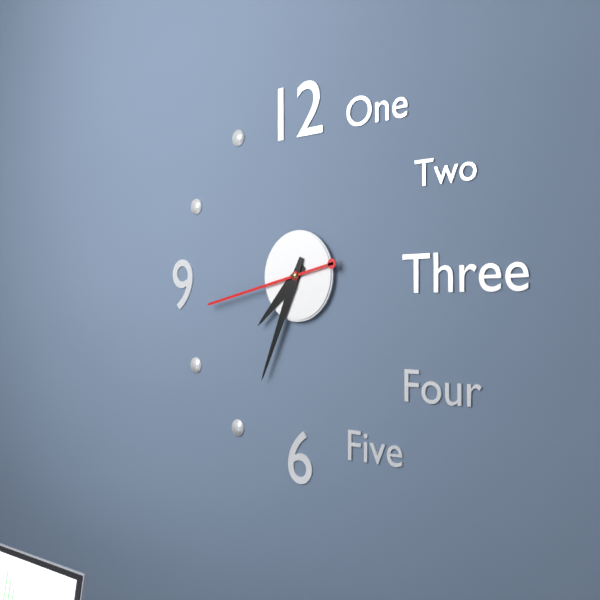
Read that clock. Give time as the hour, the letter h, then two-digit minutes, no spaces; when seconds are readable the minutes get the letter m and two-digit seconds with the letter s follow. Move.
7h34m43s
